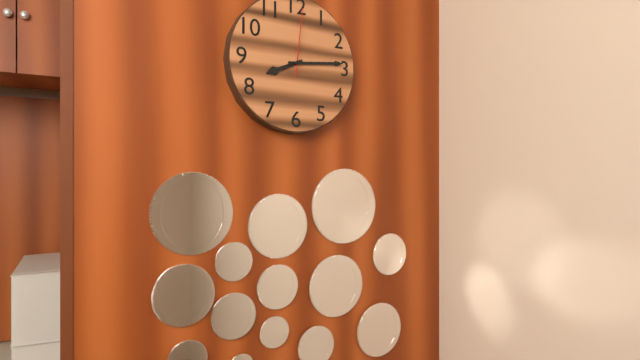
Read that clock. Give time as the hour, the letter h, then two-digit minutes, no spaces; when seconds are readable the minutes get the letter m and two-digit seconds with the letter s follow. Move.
8h14m01s
